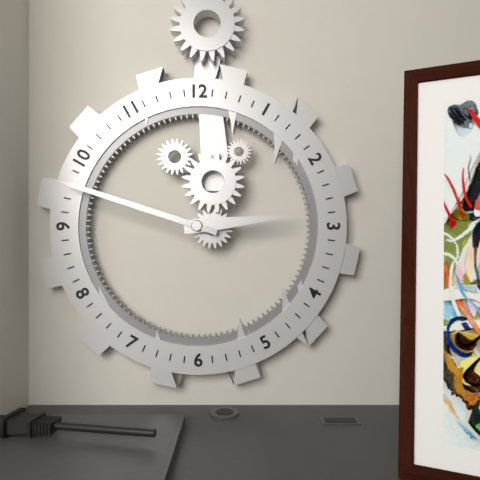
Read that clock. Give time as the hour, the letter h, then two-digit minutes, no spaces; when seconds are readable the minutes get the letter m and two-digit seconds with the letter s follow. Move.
2h48
